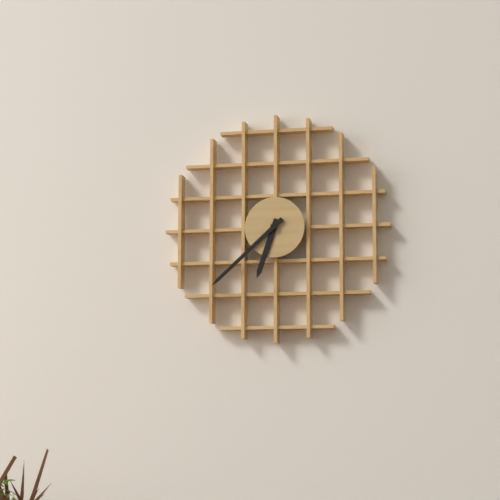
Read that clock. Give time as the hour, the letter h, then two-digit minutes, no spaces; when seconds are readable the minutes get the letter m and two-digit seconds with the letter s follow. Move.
6h38
